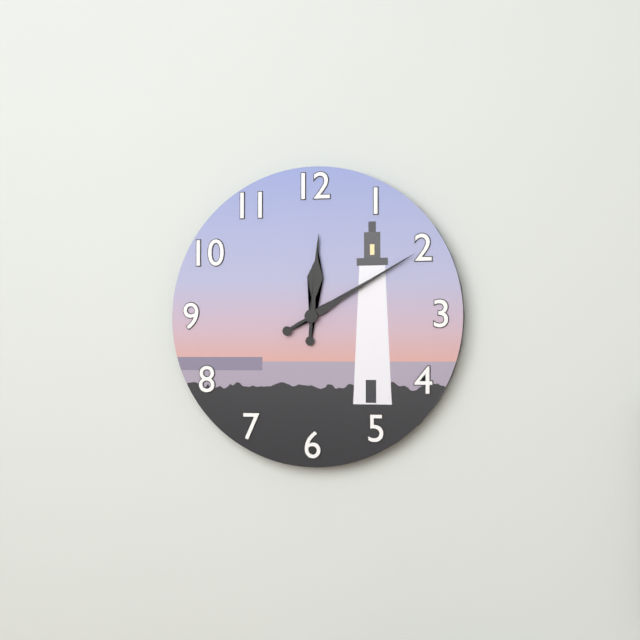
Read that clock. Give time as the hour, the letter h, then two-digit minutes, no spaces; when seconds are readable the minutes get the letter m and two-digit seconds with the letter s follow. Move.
12h10
